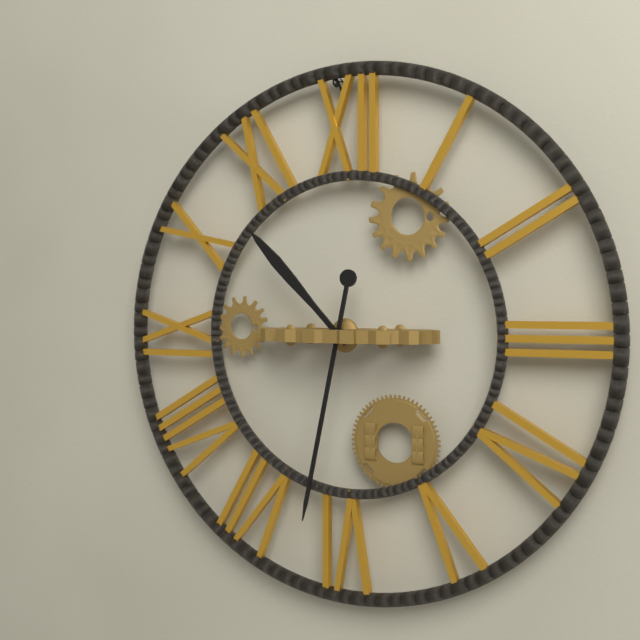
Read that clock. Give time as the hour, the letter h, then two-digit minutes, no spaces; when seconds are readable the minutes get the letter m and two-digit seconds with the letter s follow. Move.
10h32
